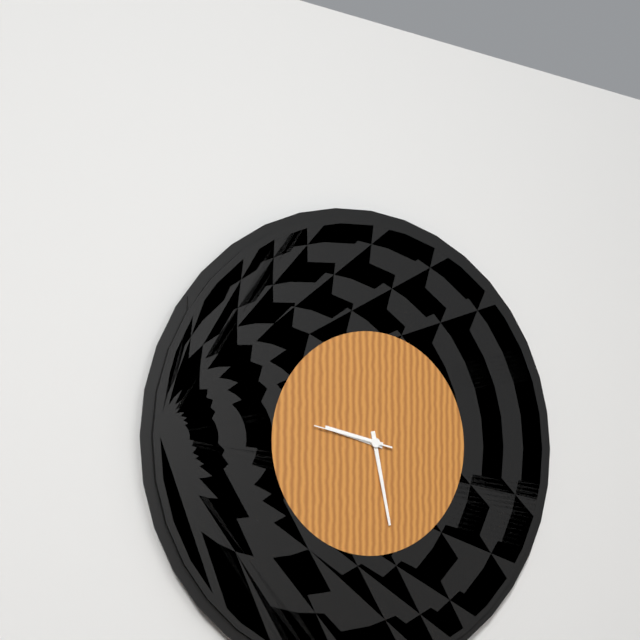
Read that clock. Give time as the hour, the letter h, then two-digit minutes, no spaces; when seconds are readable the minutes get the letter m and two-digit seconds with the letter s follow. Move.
9h28m47s
